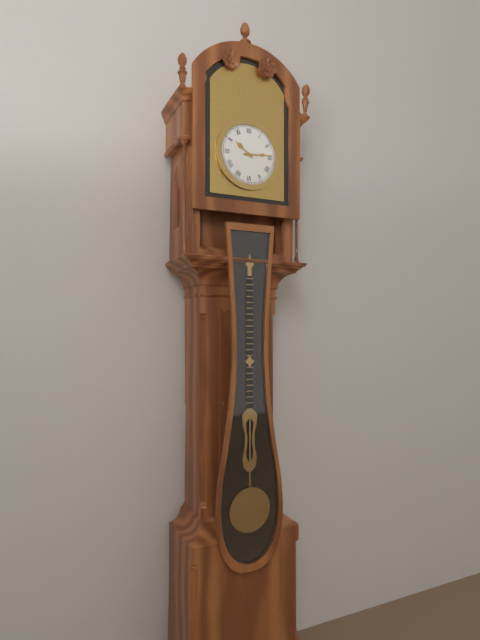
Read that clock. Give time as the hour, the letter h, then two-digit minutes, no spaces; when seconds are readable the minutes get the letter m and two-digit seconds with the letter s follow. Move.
10h14
